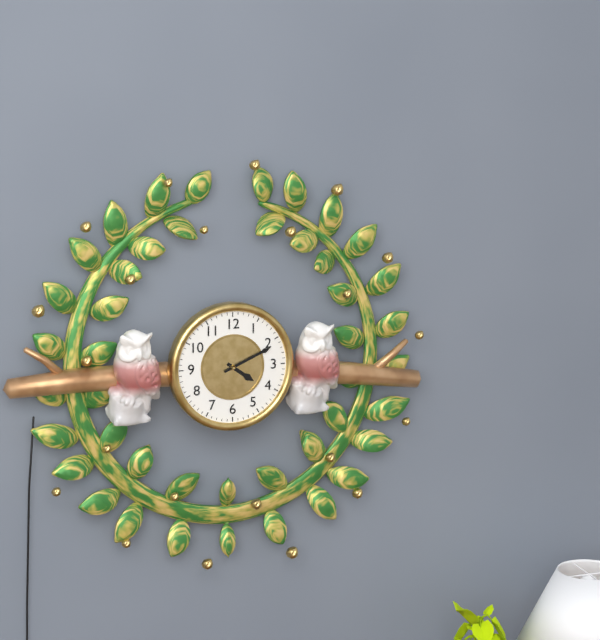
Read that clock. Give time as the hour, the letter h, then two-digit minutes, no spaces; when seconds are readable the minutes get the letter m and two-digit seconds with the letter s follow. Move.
4h11
